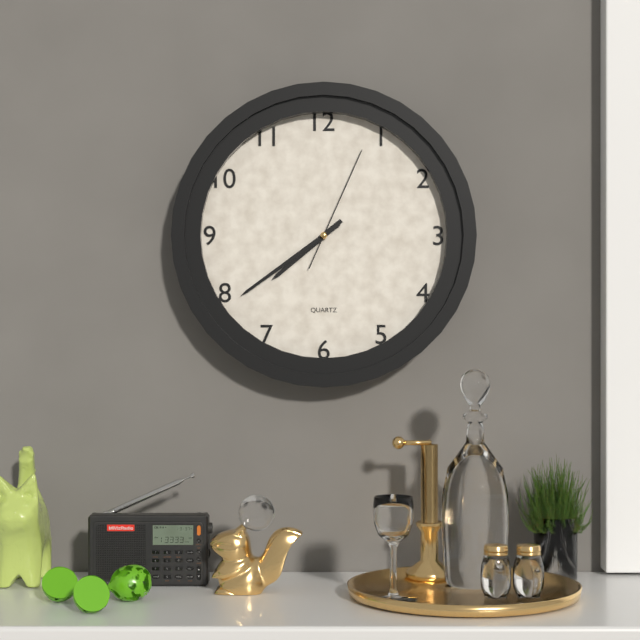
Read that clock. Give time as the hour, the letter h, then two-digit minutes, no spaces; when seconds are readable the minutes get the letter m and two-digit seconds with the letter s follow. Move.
7h39m04s
